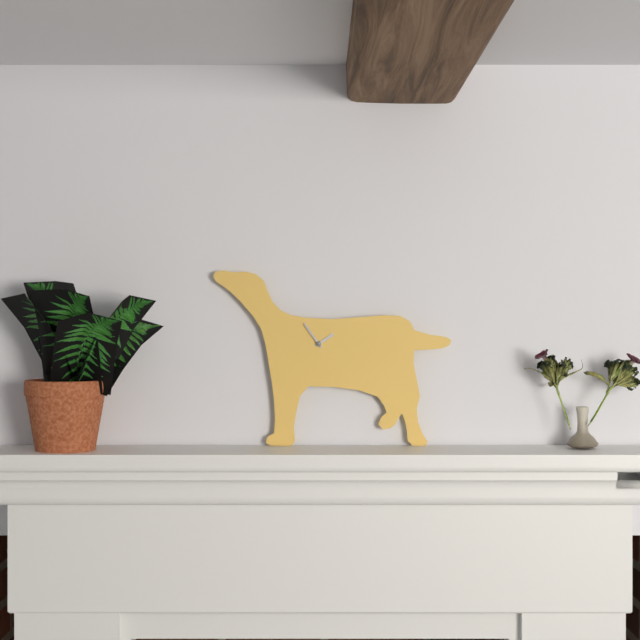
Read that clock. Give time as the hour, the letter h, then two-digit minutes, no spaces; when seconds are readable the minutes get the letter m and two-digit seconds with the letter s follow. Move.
1h54
